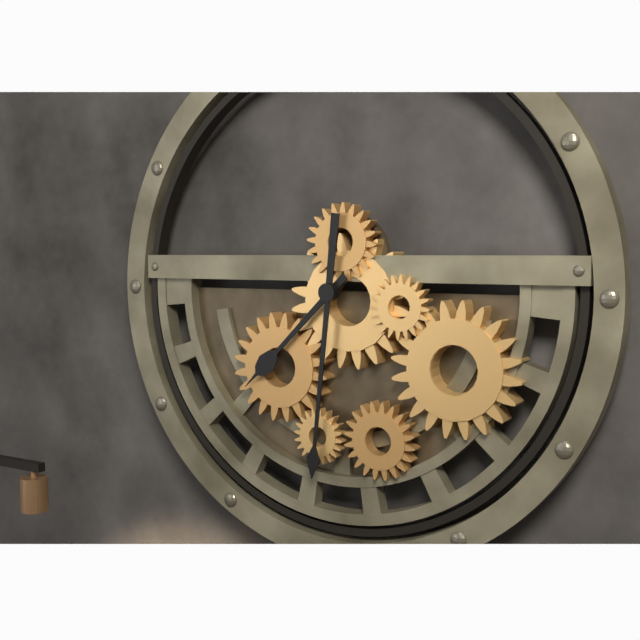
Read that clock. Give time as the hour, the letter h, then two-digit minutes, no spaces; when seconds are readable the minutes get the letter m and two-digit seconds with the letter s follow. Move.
7h31
